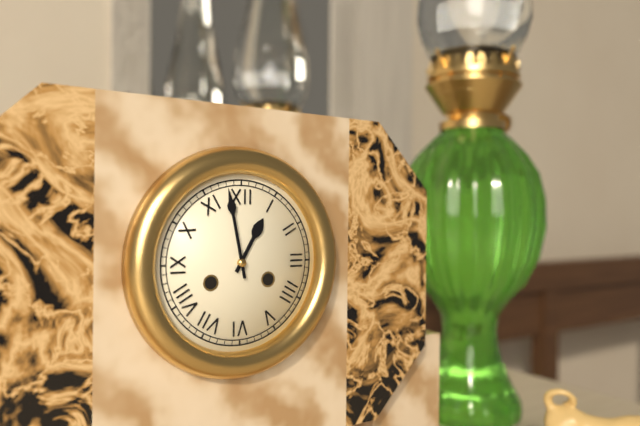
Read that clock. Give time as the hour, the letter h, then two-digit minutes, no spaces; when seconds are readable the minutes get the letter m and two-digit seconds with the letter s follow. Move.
12h58
